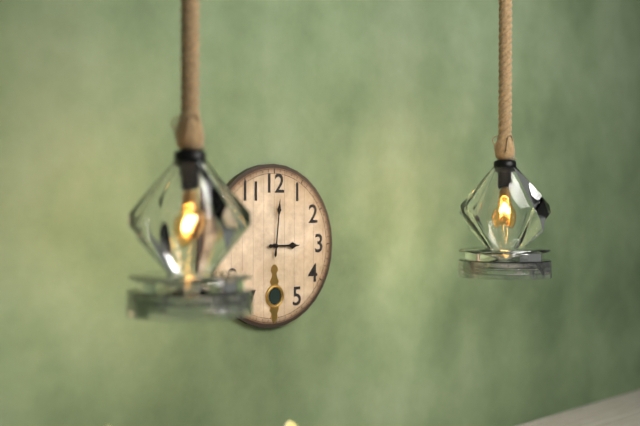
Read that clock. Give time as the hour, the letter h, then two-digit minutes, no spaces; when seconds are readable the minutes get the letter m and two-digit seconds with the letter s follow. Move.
3h01
